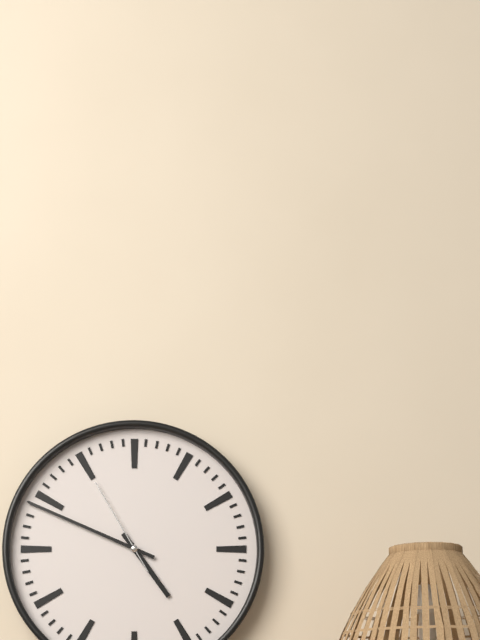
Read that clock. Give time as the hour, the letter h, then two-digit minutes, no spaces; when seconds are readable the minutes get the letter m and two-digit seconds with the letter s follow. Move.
4h49m55s
